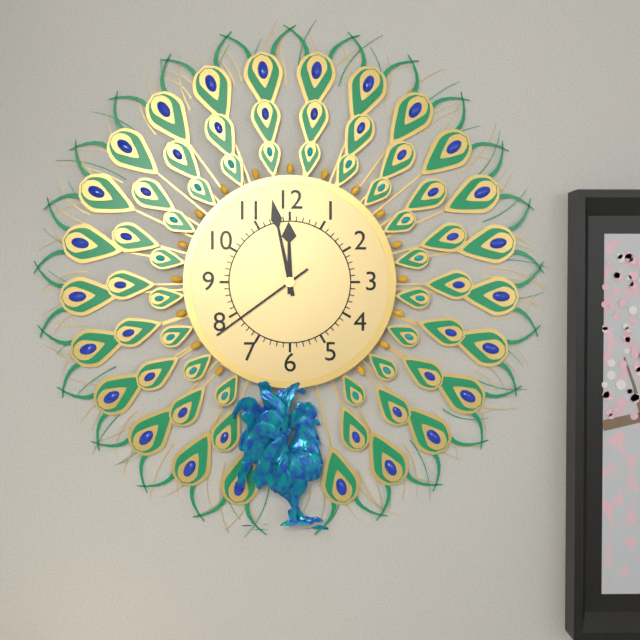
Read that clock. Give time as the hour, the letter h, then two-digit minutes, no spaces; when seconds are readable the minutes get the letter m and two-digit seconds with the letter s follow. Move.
11h58m39s
